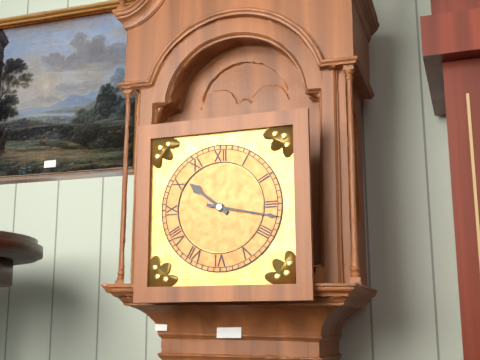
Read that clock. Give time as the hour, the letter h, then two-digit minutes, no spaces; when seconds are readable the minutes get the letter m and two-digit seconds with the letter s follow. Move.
10h17
